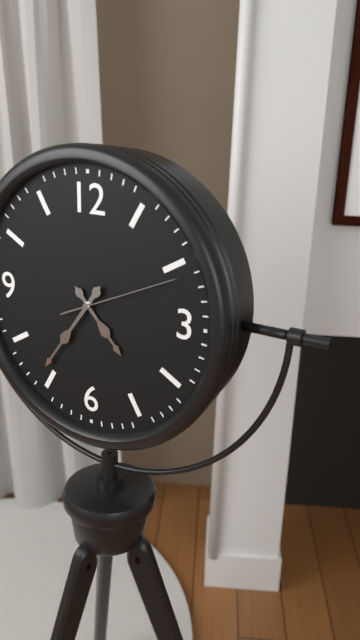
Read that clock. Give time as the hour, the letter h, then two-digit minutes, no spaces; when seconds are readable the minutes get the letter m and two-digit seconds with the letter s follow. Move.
4h36m11s
